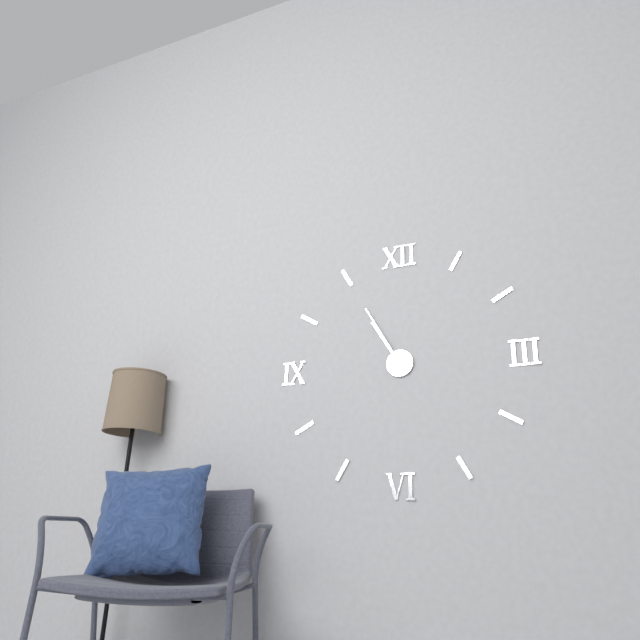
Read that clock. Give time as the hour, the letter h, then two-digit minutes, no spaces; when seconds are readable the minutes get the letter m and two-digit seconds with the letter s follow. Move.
10h55
